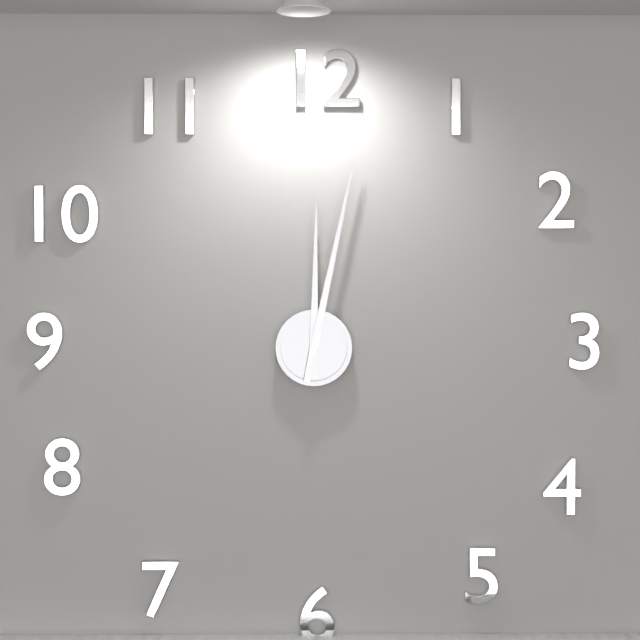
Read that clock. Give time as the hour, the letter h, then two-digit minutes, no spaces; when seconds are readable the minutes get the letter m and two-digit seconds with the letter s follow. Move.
12h02
